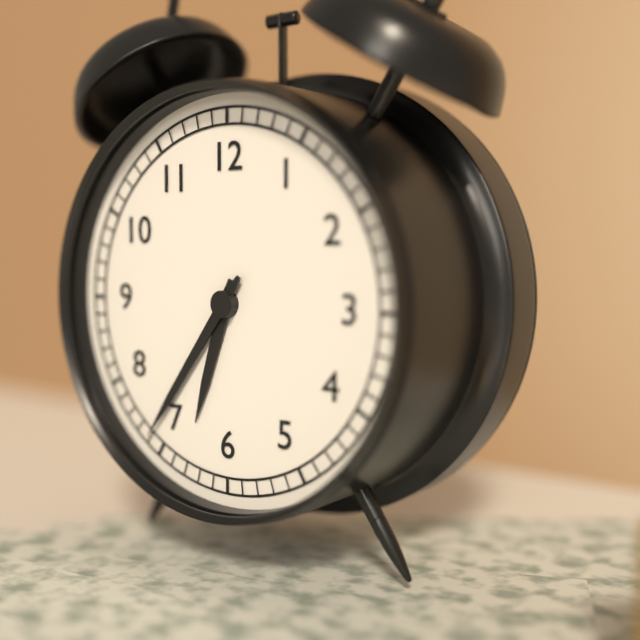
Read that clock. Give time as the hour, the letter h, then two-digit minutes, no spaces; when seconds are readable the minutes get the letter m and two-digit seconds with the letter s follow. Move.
6h36
